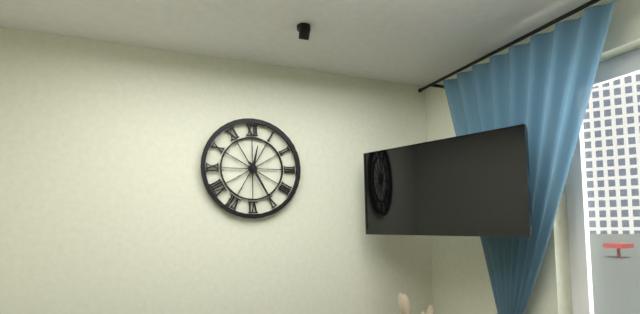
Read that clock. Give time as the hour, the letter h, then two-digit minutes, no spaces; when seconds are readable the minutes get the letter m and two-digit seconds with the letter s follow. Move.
12h25
